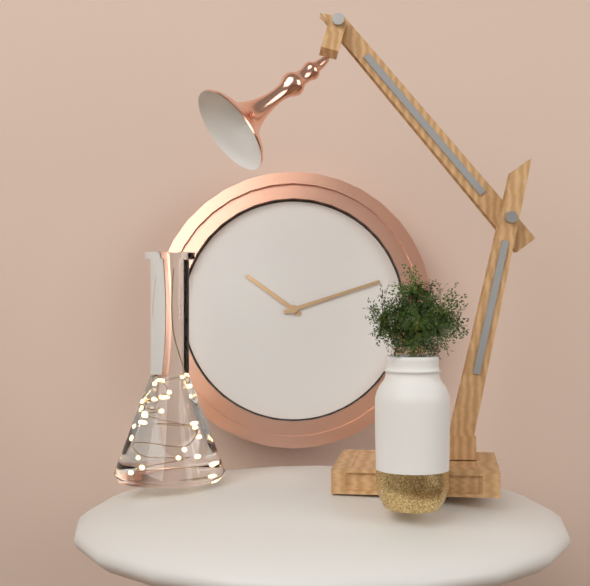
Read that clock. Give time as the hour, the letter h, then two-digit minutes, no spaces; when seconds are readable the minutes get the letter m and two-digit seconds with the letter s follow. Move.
10h12
